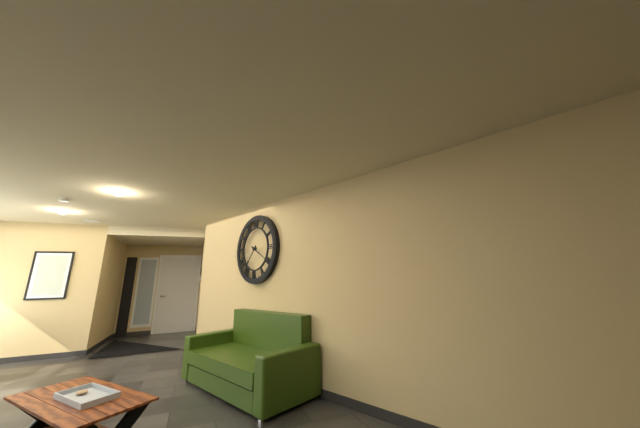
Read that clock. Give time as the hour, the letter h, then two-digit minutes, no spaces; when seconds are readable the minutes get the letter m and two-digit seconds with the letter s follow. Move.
7h20
